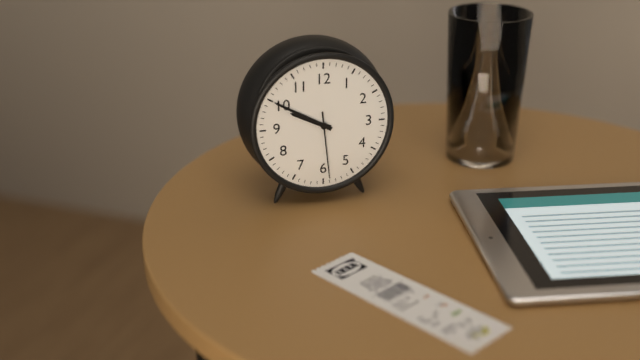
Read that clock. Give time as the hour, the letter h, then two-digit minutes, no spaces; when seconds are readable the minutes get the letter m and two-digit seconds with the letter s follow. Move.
9h50m29s
